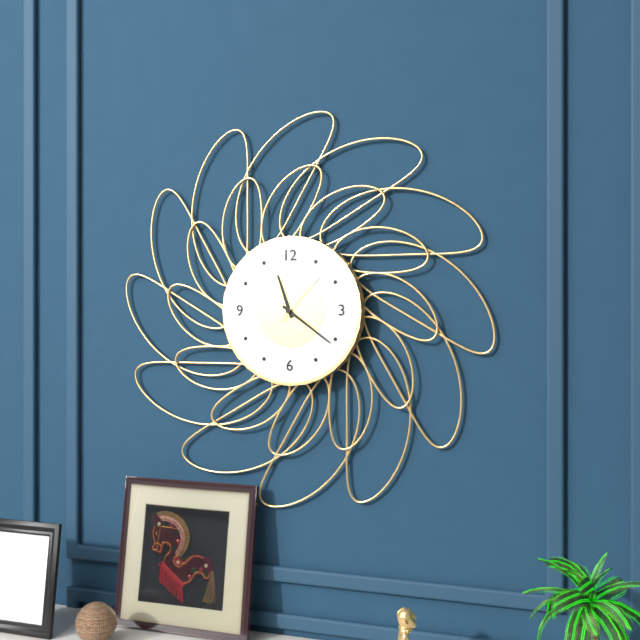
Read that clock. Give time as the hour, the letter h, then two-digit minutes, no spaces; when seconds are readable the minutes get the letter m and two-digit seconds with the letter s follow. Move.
11h21m07s
